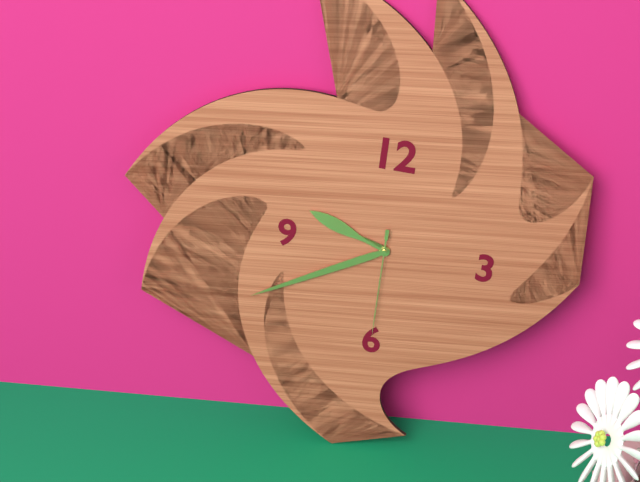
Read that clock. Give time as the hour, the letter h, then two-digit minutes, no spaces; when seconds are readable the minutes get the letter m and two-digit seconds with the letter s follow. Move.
9h40m30s
